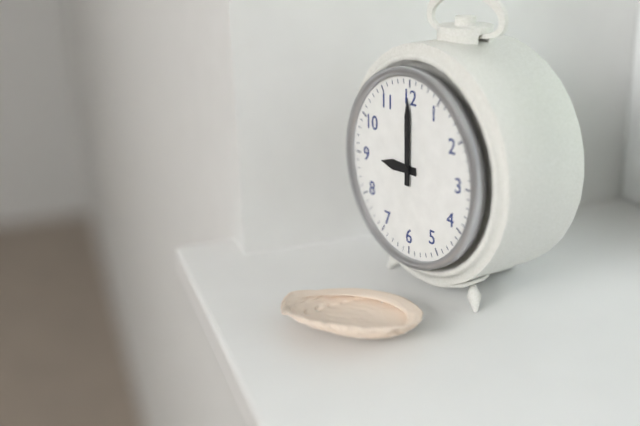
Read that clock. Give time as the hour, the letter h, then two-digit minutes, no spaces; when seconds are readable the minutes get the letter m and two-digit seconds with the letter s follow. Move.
9h00
